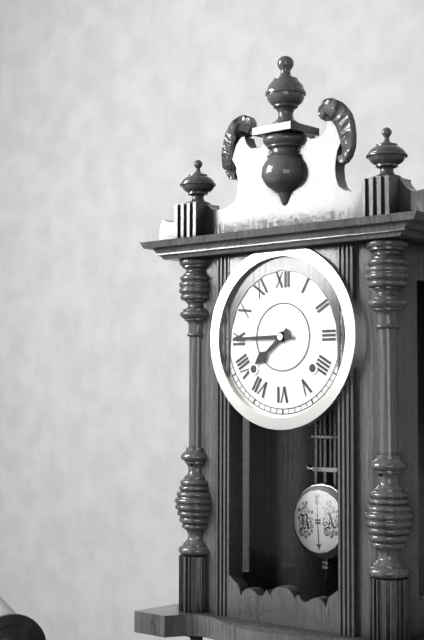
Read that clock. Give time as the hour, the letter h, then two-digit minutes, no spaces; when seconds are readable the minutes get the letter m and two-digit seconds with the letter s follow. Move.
7h45
